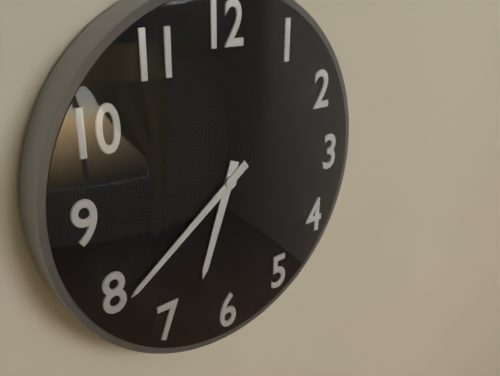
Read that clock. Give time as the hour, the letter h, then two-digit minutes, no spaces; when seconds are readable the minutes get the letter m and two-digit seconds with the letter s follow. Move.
6h39
